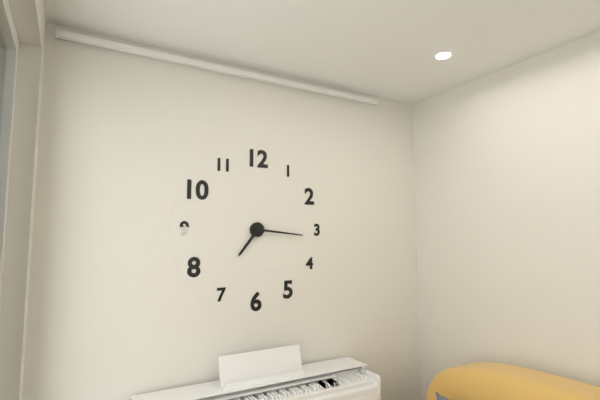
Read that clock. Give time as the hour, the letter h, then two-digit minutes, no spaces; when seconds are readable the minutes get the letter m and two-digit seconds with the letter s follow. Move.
7h16
